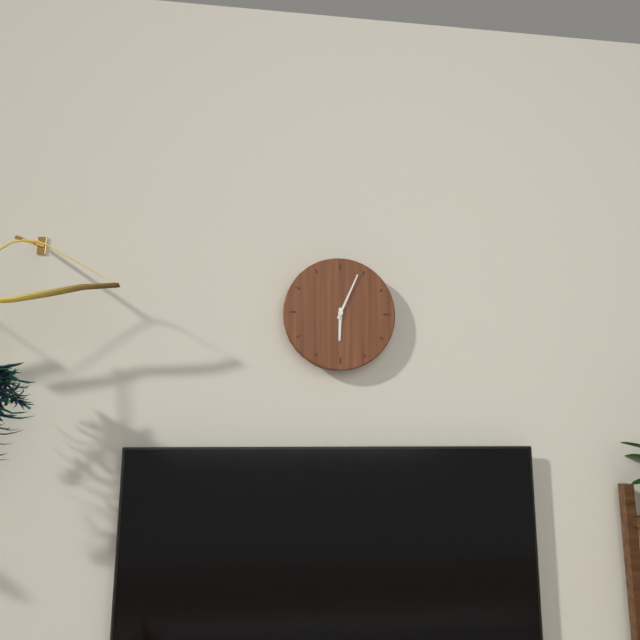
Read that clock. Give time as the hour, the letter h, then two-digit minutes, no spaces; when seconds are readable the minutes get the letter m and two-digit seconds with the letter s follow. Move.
6h04
